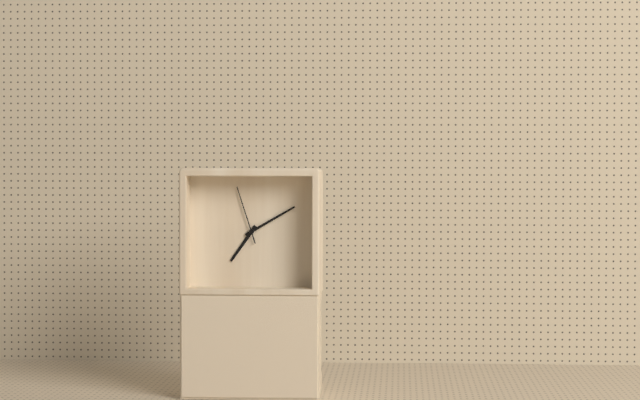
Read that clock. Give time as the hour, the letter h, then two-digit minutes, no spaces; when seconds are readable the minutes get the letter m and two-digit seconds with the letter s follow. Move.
7h10m57s
